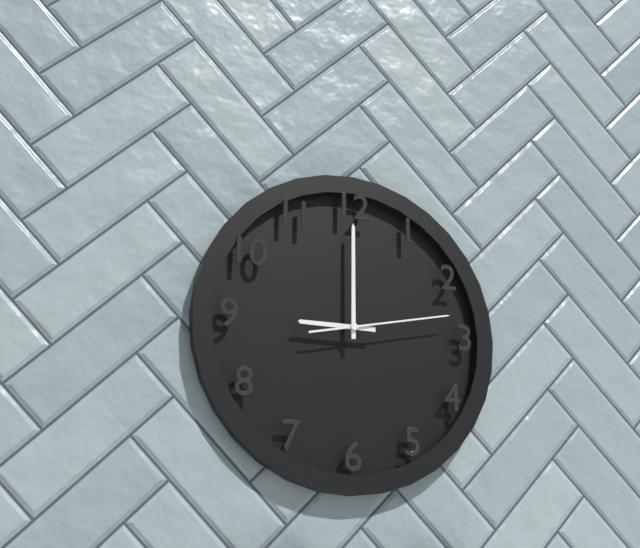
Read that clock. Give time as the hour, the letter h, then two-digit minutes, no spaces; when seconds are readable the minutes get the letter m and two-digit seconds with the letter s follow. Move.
9h00m13s
